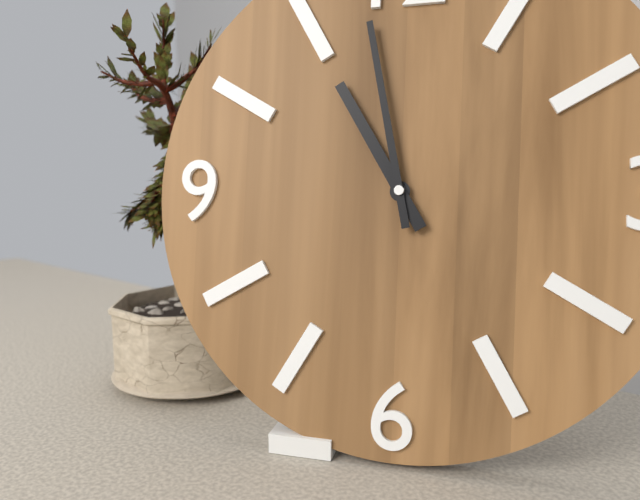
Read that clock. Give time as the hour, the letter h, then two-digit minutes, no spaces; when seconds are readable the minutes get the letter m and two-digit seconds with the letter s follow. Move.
10h58
